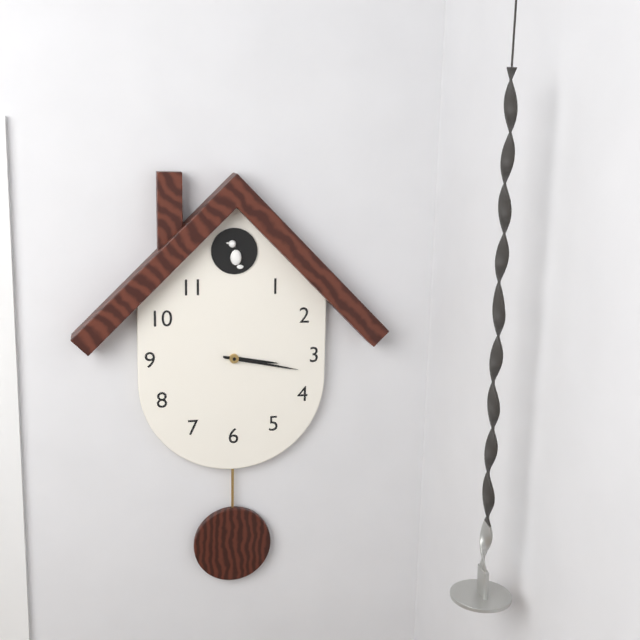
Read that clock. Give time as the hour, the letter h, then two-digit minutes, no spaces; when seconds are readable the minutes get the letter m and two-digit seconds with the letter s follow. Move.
3h17
